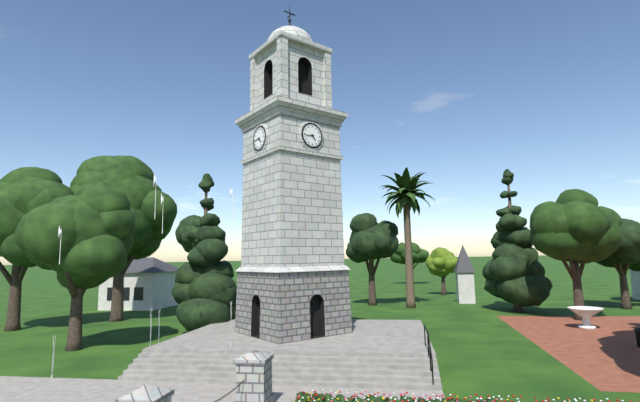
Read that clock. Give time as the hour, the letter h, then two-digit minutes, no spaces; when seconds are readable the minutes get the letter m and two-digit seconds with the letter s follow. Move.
4h44
